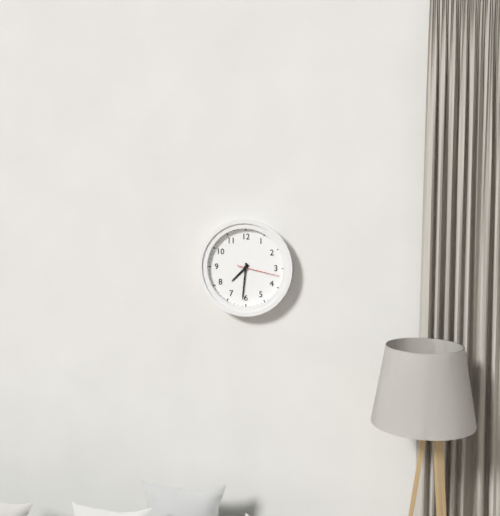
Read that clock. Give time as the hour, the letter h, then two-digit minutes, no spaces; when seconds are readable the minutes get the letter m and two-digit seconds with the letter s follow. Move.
7h31
